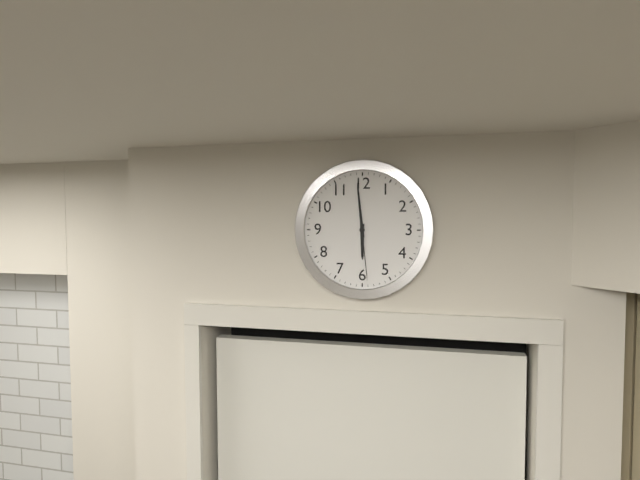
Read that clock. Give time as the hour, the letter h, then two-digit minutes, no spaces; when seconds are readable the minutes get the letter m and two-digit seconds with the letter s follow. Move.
5h59m29s
